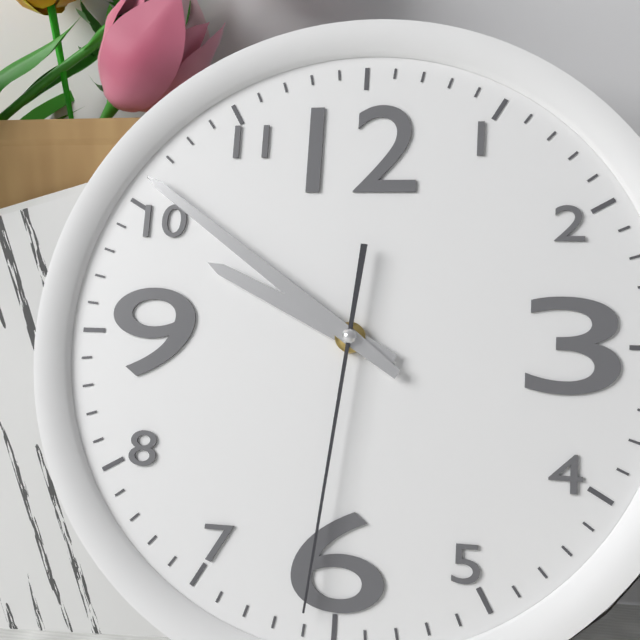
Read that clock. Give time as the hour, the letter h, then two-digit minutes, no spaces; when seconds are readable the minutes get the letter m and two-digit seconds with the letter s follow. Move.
9h51m31s
